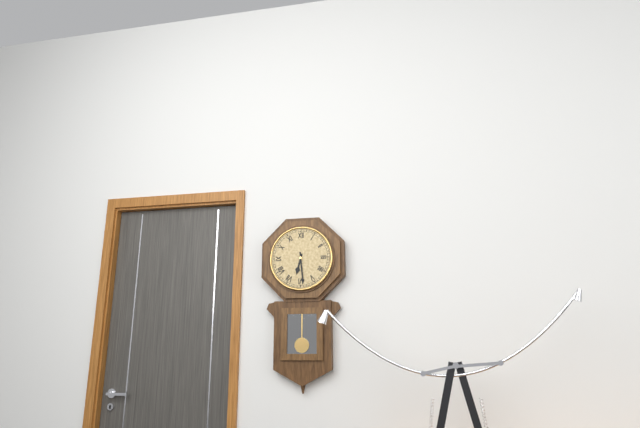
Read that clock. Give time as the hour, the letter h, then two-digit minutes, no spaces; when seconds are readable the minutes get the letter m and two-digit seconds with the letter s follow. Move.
6h29
